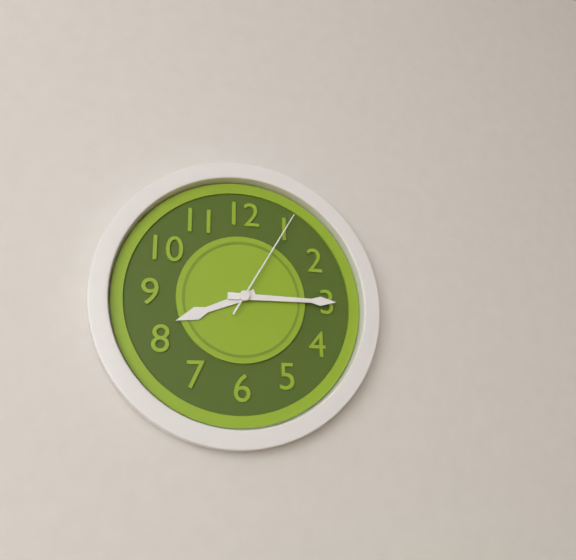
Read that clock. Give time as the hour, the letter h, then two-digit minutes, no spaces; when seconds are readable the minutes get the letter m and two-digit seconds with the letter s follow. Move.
8h15m05s
